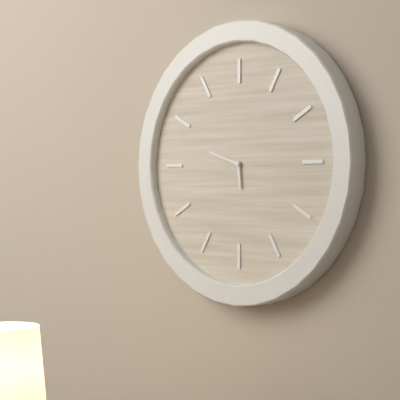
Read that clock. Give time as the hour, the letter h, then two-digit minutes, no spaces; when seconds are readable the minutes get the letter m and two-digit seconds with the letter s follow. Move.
5h48
